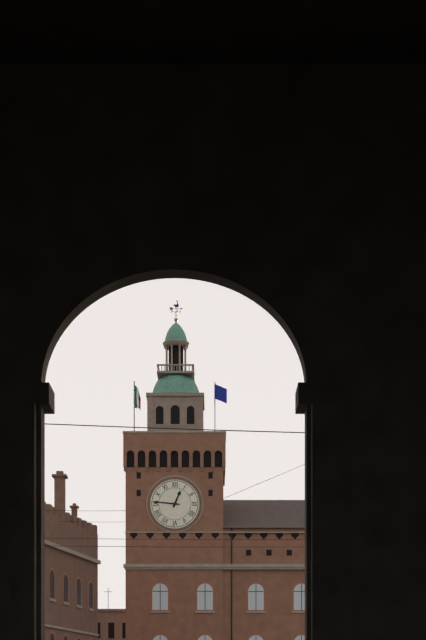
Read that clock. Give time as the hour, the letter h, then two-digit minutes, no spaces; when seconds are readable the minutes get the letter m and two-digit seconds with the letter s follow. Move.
12h46
